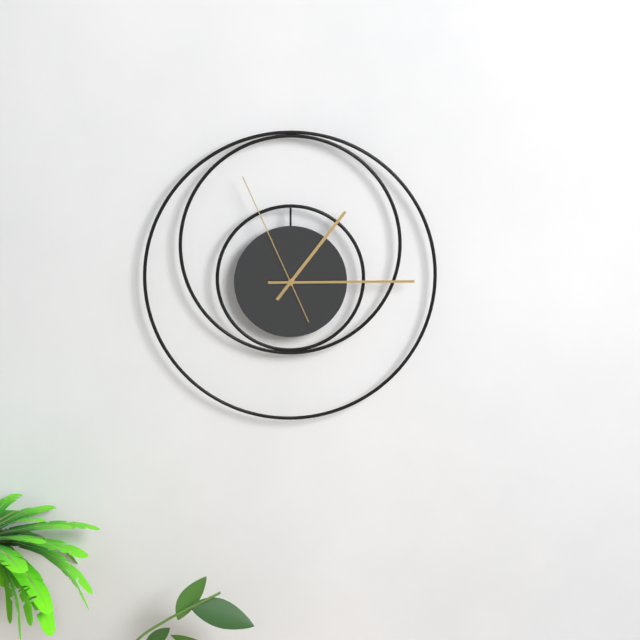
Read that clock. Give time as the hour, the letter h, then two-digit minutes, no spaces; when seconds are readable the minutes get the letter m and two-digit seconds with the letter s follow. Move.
1h15m56s
